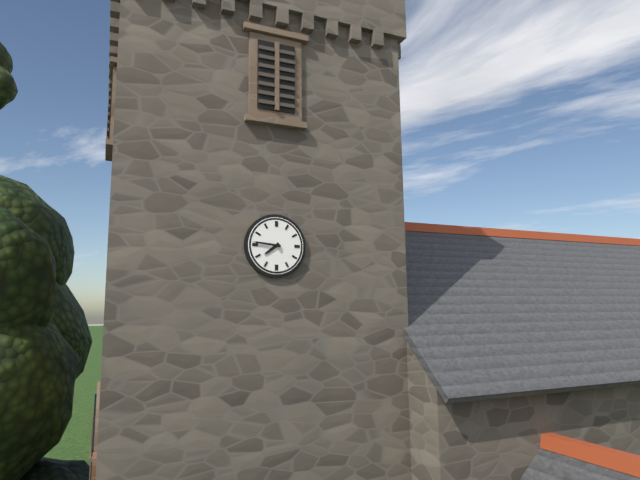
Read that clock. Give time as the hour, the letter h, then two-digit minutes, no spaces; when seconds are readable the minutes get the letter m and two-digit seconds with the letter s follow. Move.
7h46
